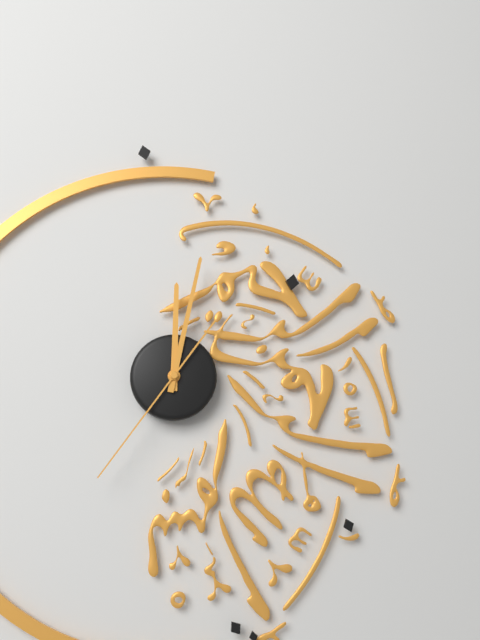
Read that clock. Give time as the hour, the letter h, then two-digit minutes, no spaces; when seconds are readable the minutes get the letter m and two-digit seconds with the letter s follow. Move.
12h02m36s
